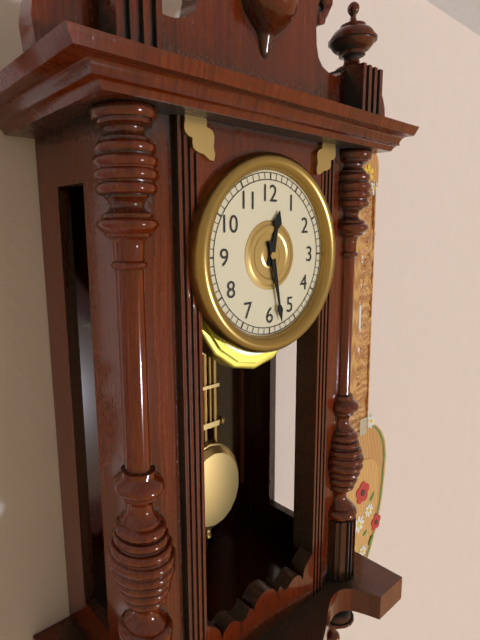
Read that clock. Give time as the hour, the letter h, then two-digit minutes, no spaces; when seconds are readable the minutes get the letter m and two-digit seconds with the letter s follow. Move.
12h28
